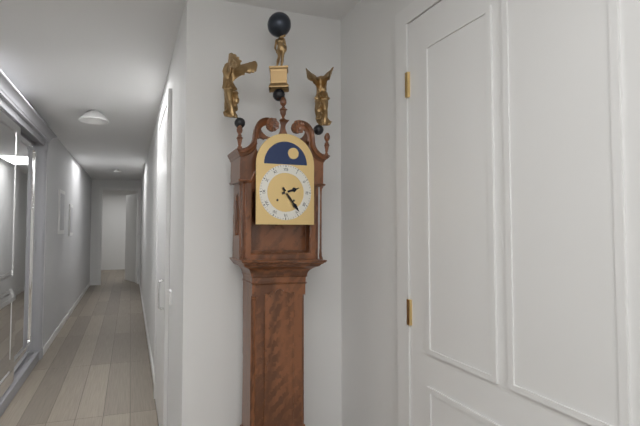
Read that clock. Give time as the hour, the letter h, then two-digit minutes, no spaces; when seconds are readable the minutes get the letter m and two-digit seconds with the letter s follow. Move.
2h24
